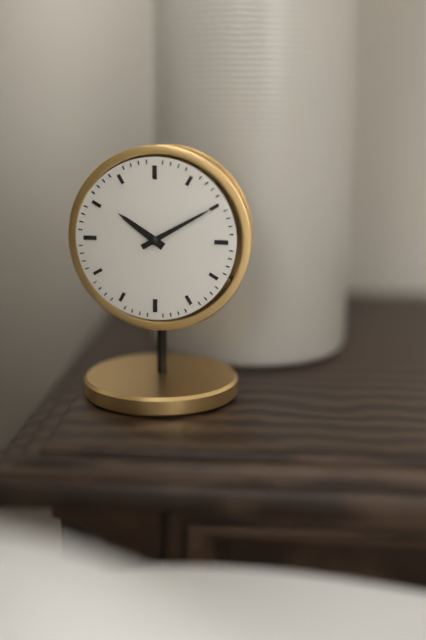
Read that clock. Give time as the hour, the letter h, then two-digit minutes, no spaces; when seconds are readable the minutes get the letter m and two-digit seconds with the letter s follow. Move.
10h10
